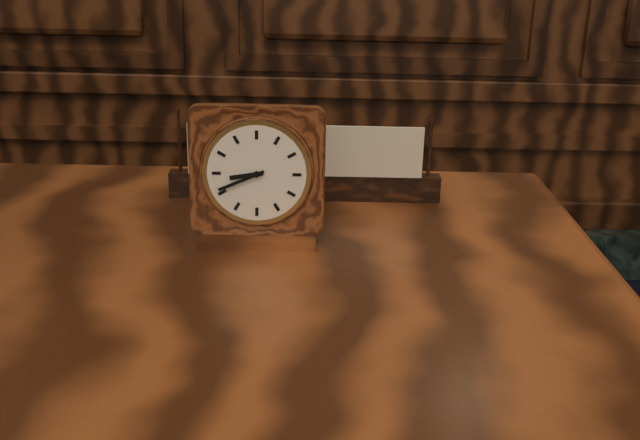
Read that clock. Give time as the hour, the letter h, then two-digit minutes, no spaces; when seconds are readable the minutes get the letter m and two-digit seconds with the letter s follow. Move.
8h41
